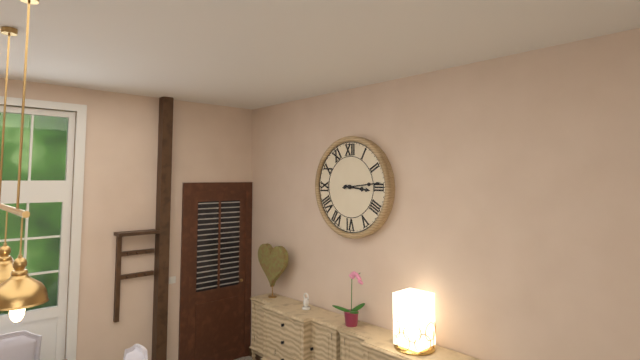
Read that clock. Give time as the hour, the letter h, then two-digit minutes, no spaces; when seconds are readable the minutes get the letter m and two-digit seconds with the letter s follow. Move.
3h14
